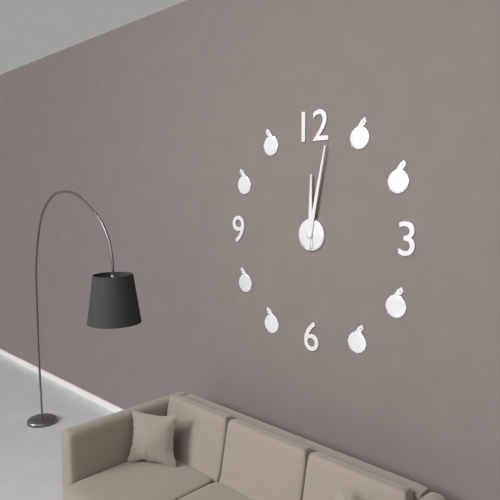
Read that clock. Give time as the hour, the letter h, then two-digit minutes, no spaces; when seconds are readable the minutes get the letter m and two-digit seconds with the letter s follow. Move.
12h02
